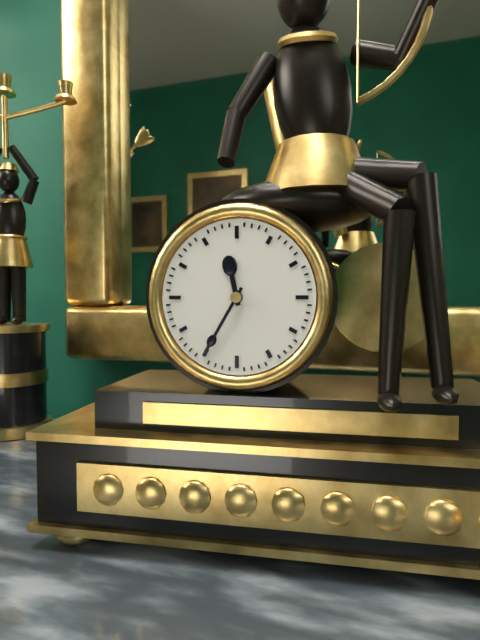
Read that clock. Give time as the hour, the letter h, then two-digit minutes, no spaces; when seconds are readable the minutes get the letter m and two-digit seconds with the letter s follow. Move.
11h35
